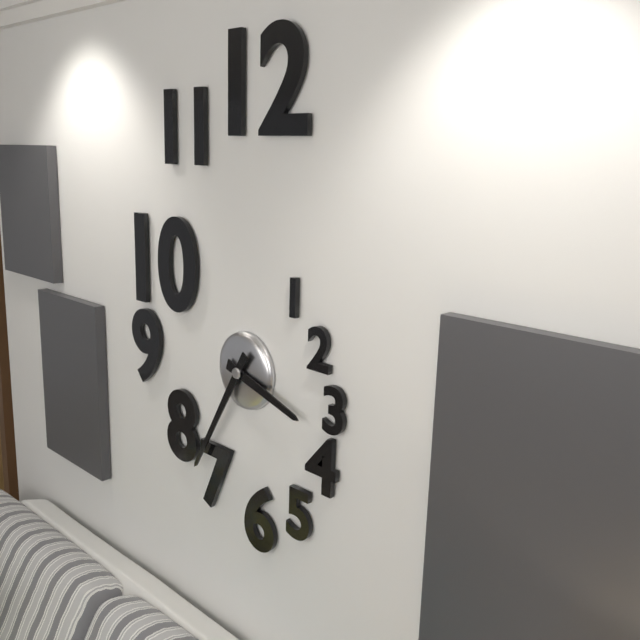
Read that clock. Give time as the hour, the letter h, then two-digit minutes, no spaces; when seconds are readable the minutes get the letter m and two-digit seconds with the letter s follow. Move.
3h35
